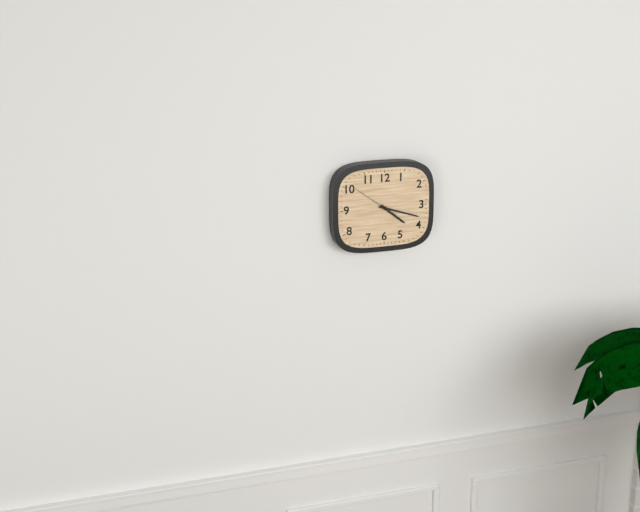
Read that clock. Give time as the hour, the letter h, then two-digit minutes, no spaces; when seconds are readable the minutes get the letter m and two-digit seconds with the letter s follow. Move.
4h18
